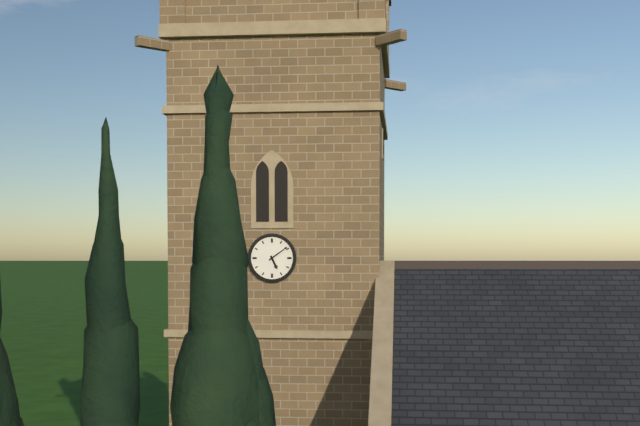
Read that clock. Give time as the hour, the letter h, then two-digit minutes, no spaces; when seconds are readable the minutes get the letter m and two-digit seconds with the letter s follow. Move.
5h09
